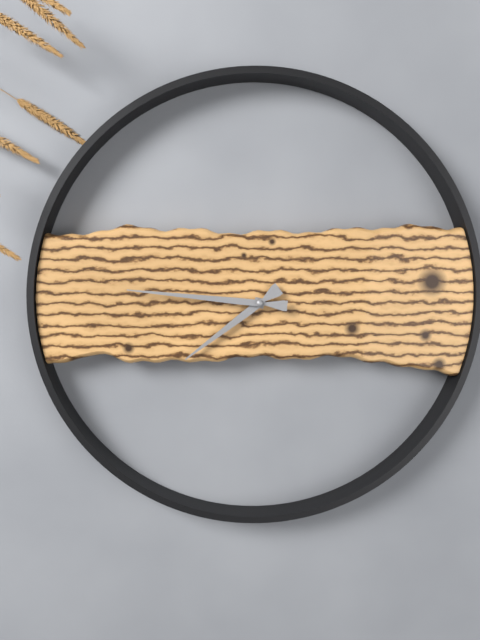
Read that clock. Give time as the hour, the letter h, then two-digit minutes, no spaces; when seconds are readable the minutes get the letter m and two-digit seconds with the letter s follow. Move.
7h46
